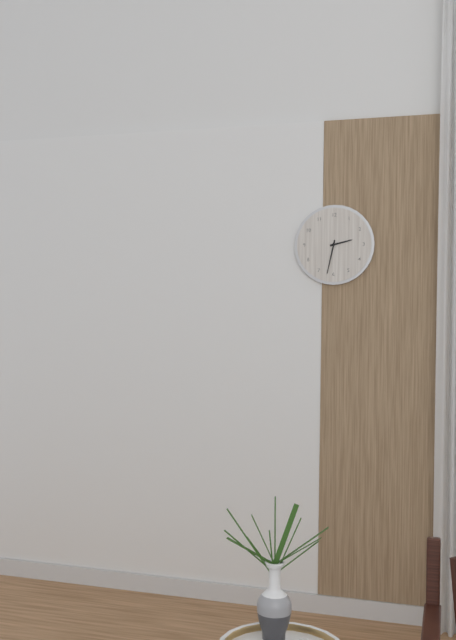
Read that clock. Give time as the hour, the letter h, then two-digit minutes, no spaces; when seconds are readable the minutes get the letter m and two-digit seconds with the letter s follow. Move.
2h32
